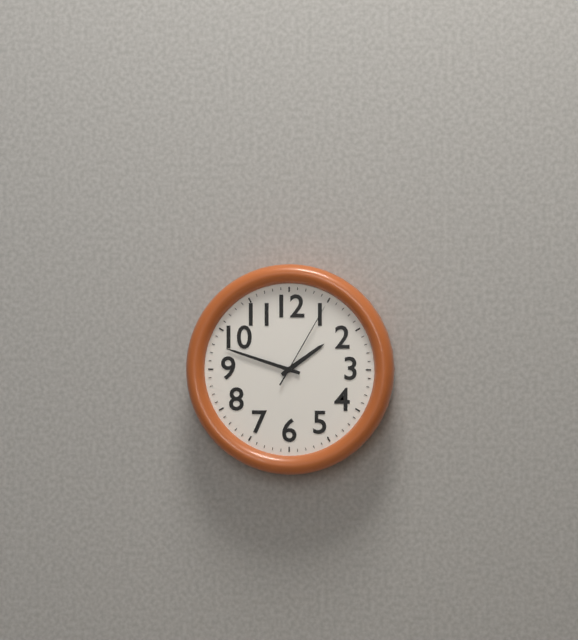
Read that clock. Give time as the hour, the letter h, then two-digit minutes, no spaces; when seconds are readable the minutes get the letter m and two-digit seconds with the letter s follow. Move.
1h48m05s
